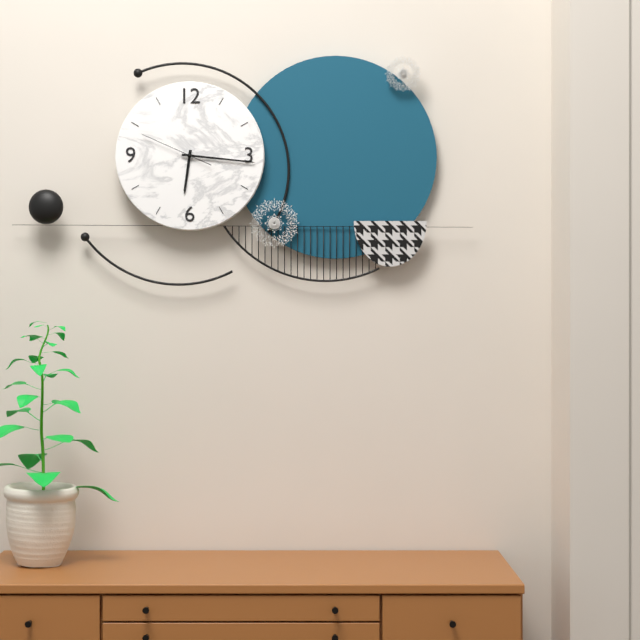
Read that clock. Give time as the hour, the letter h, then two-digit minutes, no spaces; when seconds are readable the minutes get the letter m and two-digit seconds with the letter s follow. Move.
6h16m49s
